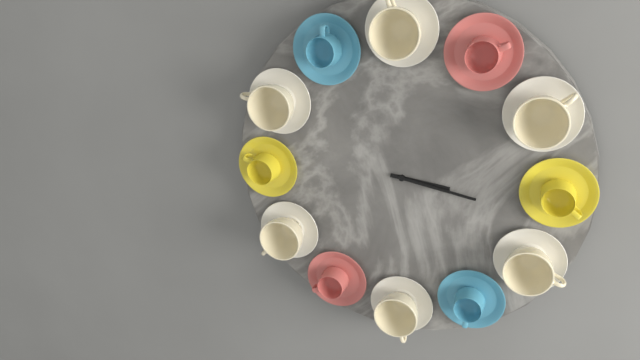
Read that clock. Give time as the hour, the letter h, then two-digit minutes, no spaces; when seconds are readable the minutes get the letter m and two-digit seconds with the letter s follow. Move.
3h17
